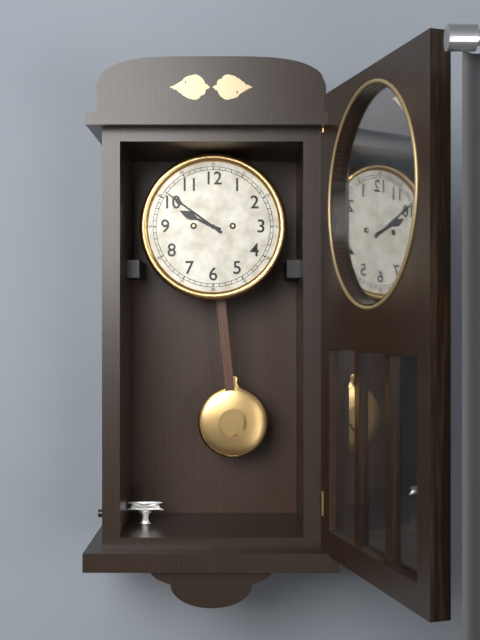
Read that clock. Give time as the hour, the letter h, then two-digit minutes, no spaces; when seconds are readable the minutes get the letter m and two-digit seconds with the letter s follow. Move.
9h51
